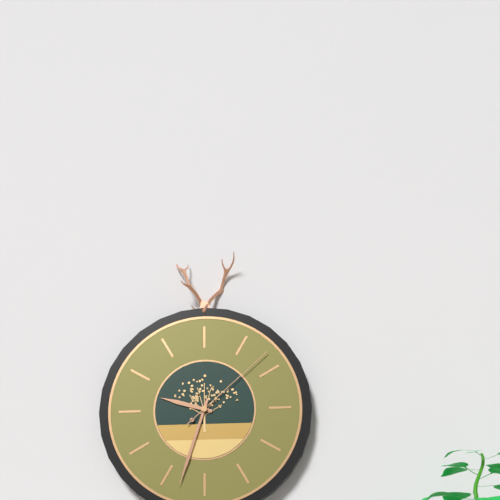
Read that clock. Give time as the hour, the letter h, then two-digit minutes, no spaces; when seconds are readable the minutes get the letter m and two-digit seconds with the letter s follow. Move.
9h33m08s
